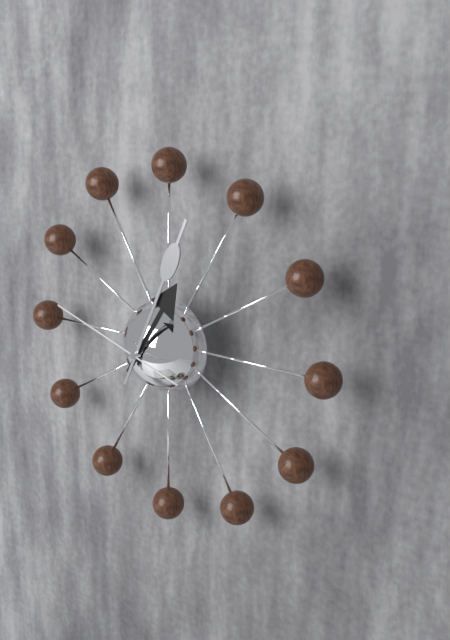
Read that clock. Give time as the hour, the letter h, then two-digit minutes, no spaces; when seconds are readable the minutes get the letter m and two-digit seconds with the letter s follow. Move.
1h04m48s
